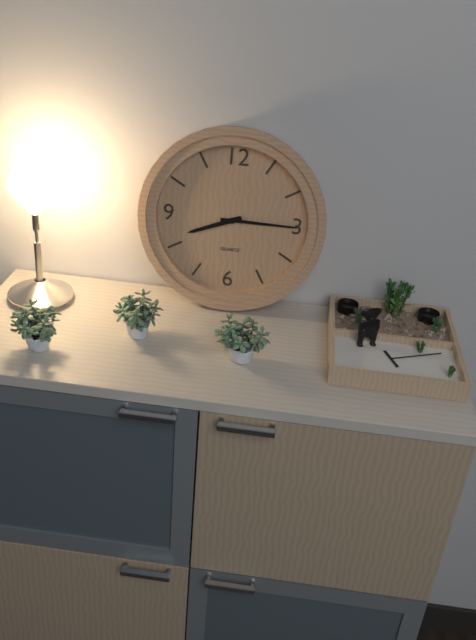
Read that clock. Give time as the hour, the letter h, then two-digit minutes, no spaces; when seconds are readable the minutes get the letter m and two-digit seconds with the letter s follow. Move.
8h15
